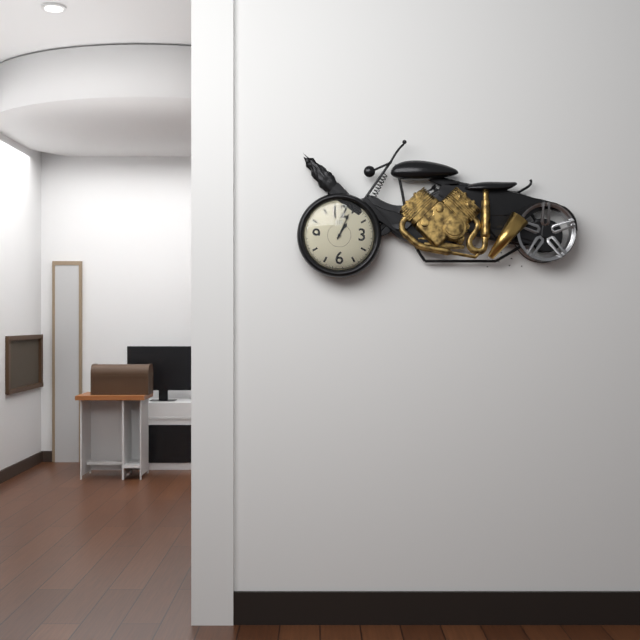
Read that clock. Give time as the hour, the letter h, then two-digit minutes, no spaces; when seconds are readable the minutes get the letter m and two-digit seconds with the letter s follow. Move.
1h04
